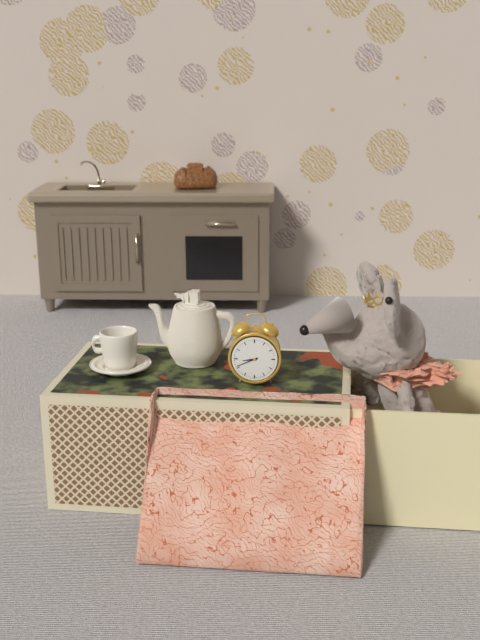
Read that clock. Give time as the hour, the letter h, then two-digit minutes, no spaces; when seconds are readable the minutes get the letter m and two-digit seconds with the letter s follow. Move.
8h41
